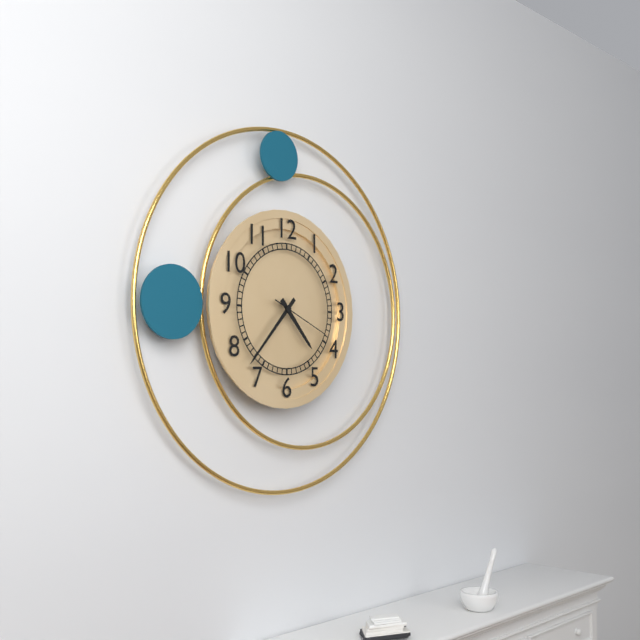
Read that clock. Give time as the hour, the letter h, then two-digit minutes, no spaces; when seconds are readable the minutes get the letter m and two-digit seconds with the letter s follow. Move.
4h37m19s
